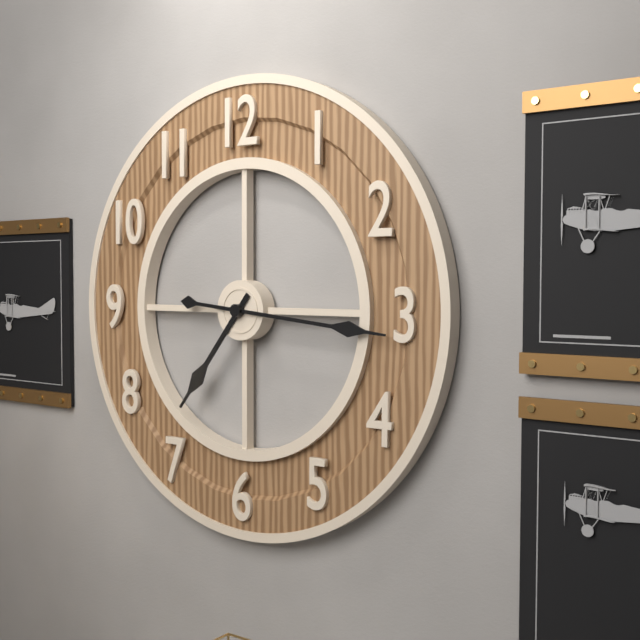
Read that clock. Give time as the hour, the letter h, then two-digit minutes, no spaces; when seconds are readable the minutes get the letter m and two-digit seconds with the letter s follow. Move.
7h16
